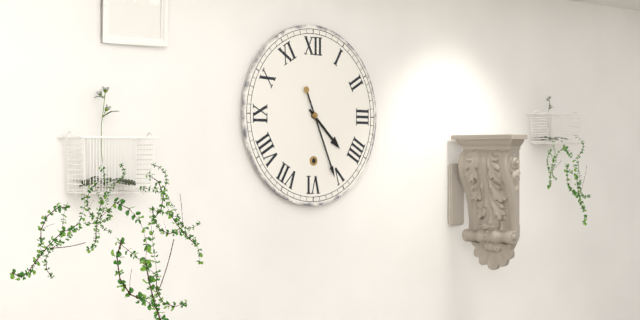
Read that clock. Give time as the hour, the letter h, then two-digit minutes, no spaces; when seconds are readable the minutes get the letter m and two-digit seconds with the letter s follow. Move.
4h26
